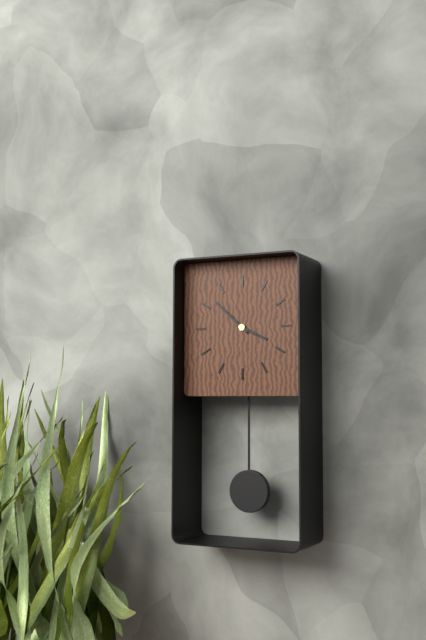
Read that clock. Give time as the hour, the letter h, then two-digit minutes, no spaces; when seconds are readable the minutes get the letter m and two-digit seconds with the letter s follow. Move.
3h52
